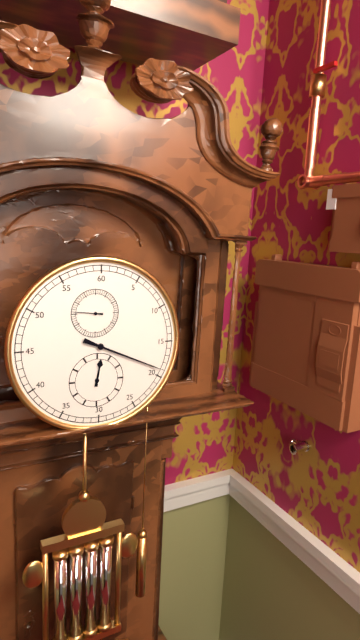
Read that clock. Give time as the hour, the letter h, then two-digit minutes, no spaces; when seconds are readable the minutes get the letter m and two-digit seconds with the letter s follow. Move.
12h19
